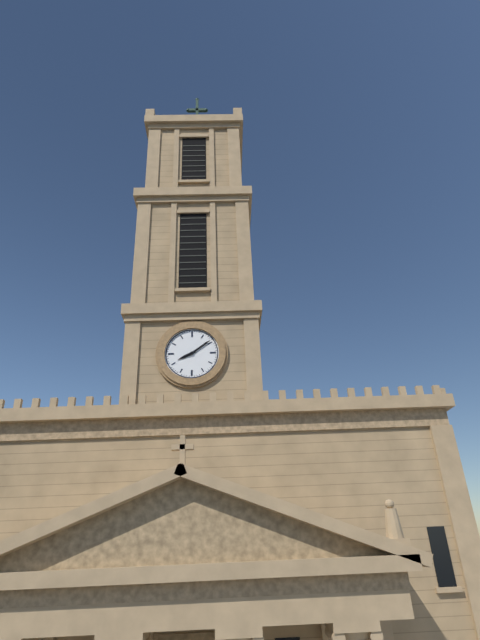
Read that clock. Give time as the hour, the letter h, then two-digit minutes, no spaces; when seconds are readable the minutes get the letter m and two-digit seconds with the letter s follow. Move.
8h09
